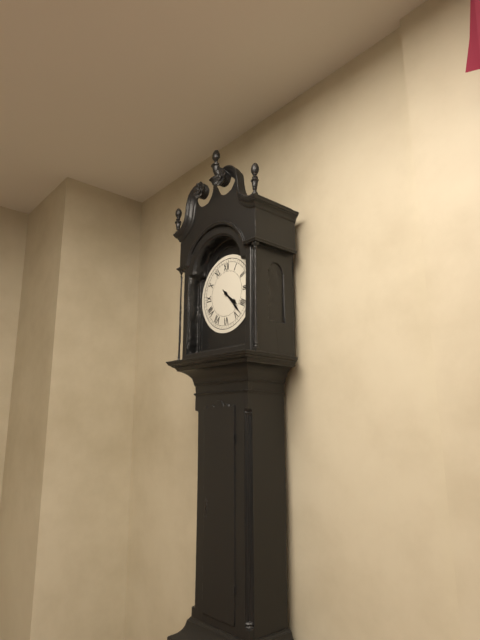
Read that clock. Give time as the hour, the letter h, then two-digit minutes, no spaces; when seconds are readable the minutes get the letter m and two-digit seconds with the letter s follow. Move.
4h23
